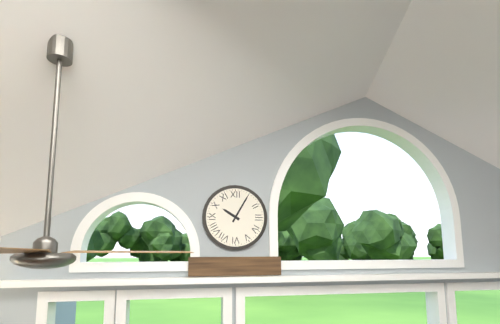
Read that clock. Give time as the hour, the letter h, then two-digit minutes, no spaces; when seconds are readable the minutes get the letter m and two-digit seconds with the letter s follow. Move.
10h05
